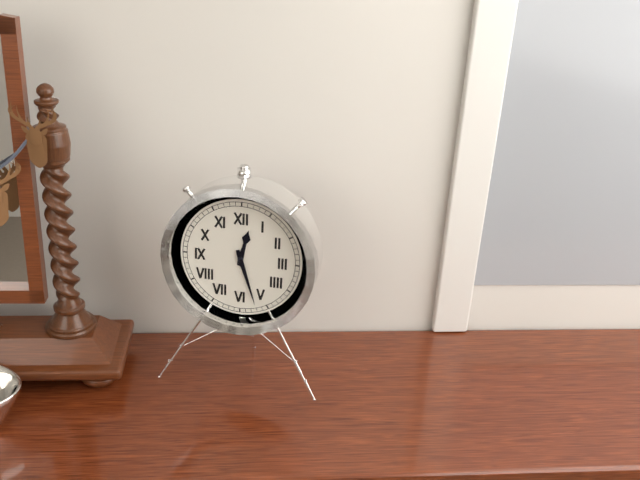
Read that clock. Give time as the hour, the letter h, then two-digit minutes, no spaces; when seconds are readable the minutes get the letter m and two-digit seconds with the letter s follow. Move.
12h27
